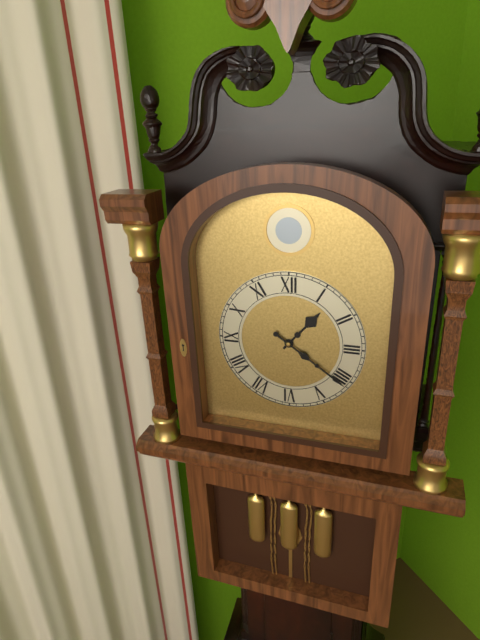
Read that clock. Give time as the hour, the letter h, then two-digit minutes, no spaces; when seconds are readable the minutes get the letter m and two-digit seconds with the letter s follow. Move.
1h21
